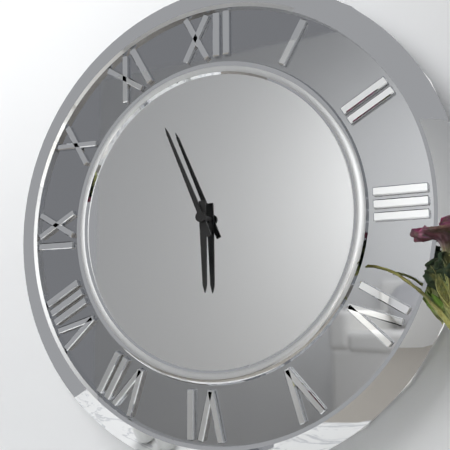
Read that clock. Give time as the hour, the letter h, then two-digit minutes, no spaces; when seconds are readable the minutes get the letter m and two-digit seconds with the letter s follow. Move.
5h56
